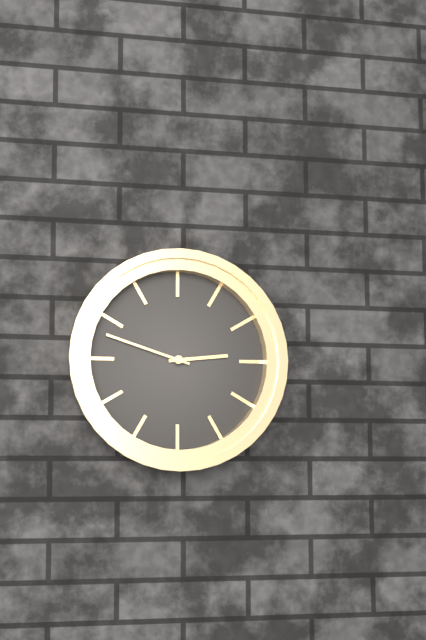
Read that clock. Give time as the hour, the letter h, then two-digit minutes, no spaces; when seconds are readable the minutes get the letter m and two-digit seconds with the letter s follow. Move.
2h48
